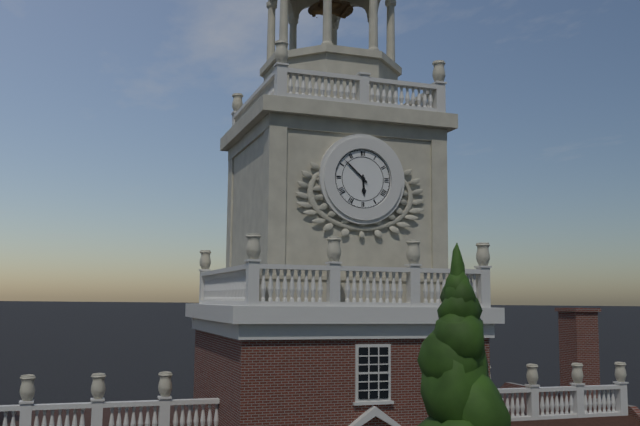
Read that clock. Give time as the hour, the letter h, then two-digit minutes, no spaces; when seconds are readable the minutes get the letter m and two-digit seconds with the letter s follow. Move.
5h52
